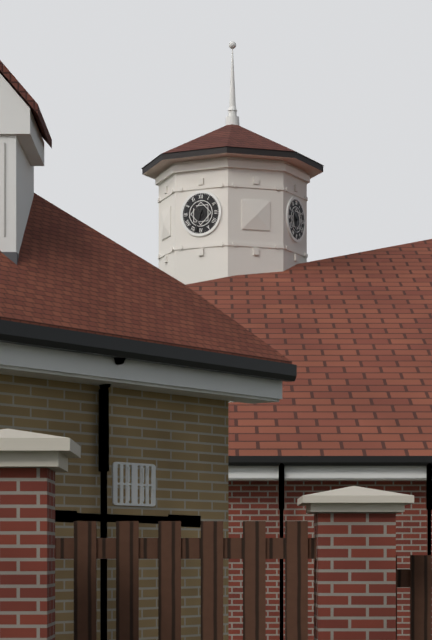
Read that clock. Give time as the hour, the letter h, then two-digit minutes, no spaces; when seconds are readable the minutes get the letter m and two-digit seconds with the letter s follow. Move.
10h33
